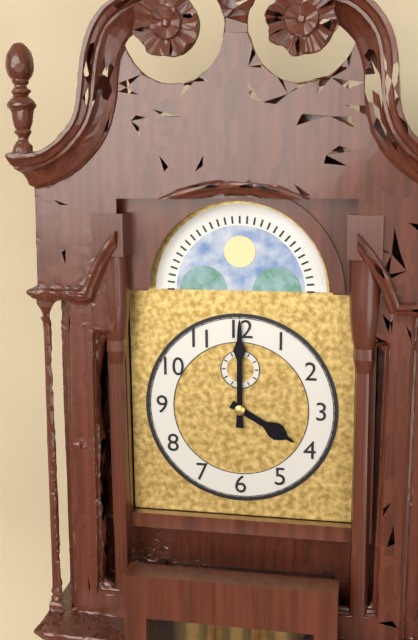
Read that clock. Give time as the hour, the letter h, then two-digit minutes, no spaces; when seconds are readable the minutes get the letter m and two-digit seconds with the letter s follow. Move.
4h00
